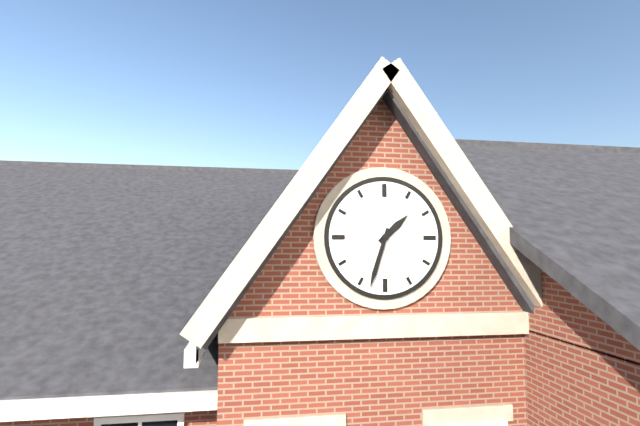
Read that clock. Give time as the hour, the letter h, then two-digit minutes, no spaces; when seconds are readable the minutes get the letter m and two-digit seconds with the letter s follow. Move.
1h33
